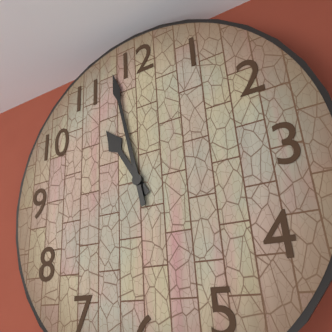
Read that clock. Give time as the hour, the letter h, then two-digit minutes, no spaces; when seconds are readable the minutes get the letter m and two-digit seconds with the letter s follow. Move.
10h58
